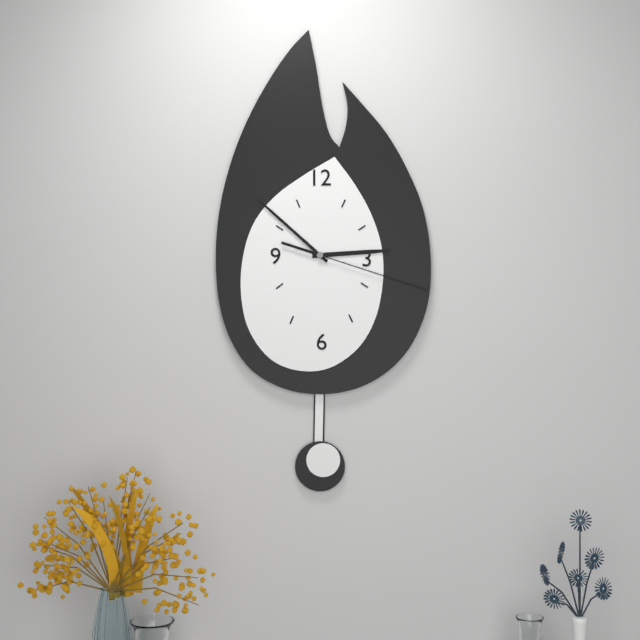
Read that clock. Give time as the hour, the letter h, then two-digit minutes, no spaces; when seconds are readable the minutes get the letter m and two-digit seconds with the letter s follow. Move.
2h52m18s
